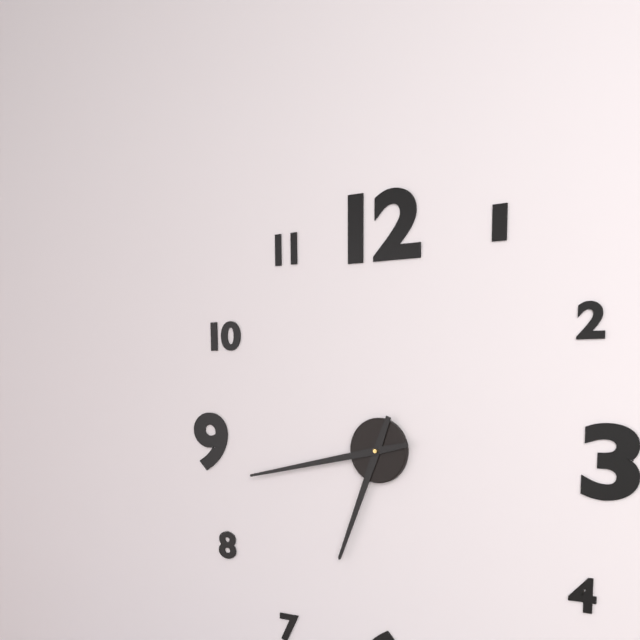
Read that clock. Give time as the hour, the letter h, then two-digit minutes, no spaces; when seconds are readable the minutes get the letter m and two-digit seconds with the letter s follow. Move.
6h43
